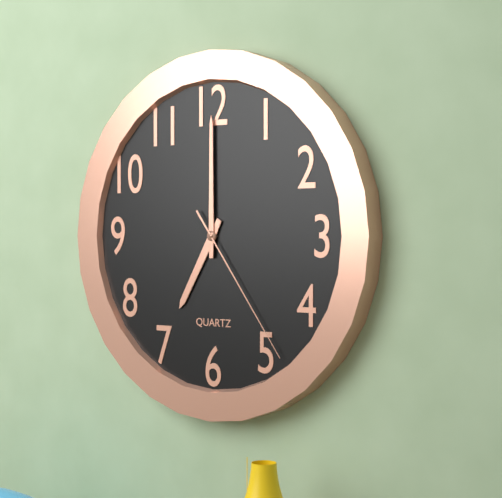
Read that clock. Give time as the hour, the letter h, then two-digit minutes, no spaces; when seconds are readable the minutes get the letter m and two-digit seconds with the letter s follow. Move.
7h00m24s
